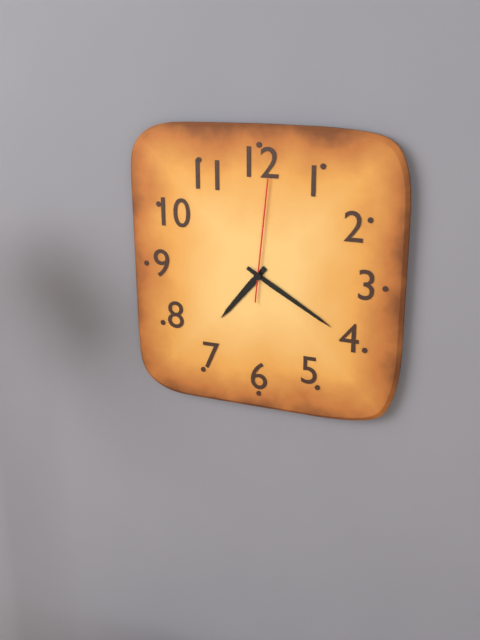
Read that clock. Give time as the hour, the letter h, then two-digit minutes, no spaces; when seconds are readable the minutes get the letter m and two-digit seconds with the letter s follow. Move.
7h20m01s
